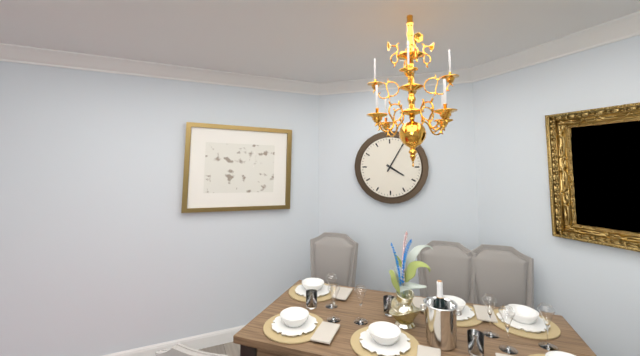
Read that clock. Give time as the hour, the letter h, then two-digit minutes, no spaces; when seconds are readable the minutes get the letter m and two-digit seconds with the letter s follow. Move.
4h05
